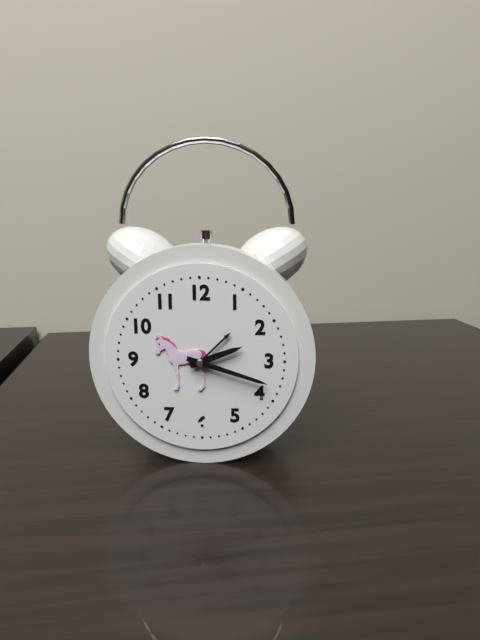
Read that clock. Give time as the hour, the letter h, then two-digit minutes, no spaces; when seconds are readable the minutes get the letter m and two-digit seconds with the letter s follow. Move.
2h18
